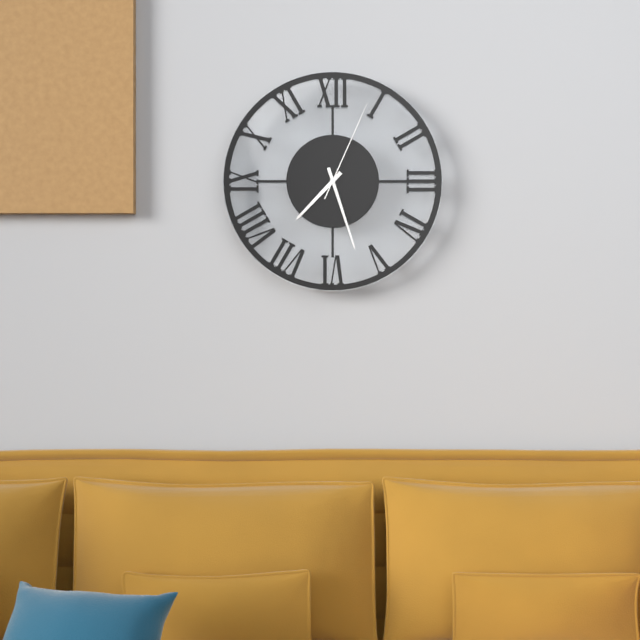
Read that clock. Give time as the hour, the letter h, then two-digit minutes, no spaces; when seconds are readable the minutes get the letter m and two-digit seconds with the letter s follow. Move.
7h27m04s
